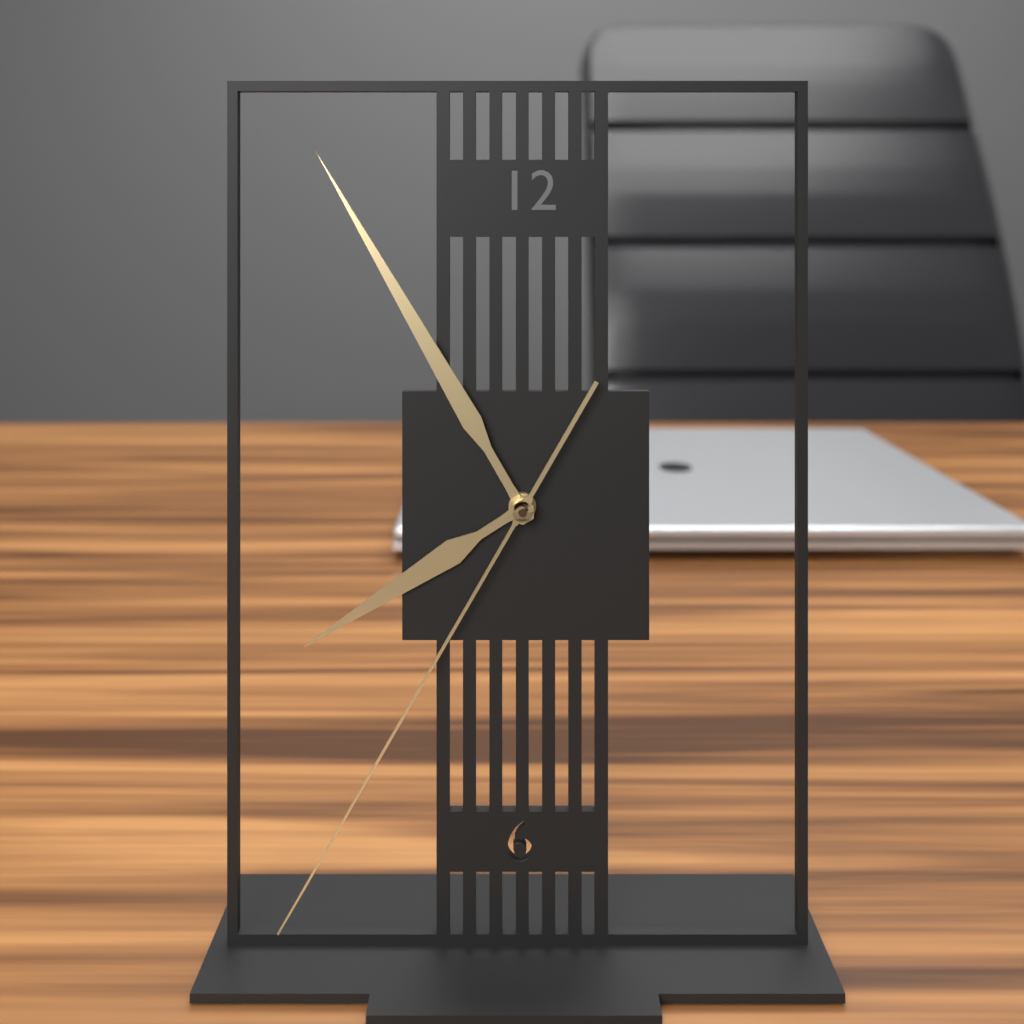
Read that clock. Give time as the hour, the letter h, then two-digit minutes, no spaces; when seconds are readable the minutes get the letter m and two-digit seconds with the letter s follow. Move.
7h55m35s
